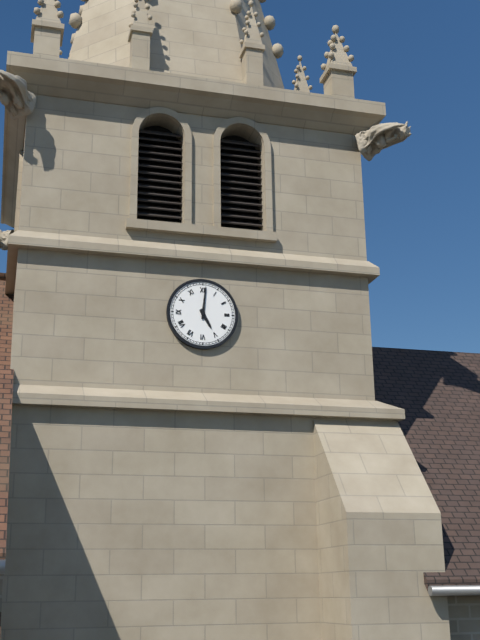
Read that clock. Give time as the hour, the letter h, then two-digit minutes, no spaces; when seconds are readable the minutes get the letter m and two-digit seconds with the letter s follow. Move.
5h01
